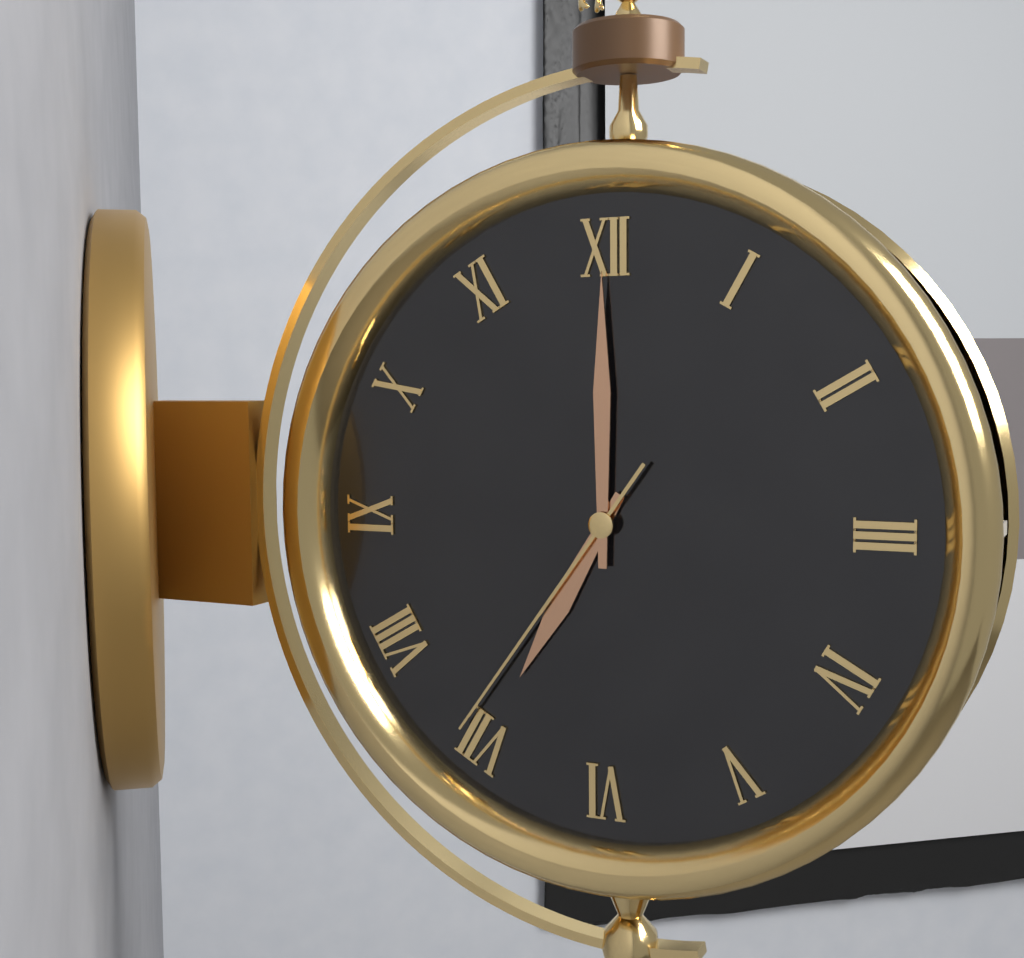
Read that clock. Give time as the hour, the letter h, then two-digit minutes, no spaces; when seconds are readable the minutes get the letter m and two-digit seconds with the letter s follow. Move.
7h00m36s
